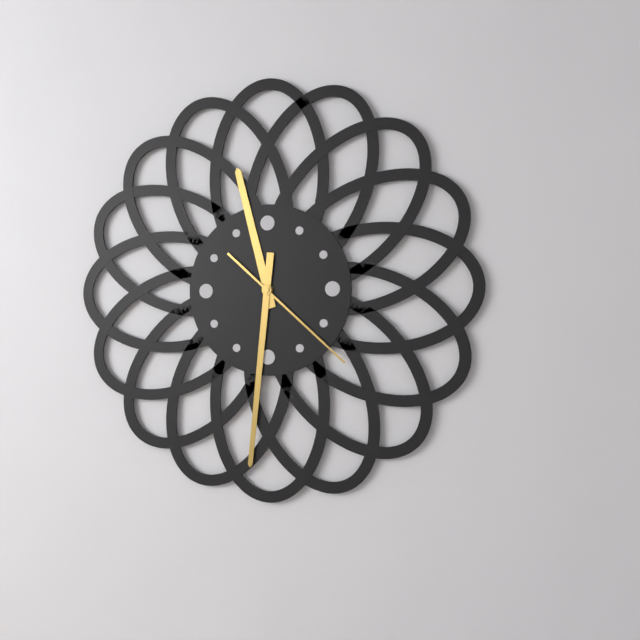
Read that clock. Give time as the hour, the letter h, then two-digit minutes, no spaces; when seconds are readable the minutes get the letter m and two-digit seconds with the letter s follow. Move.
11h31m22s
